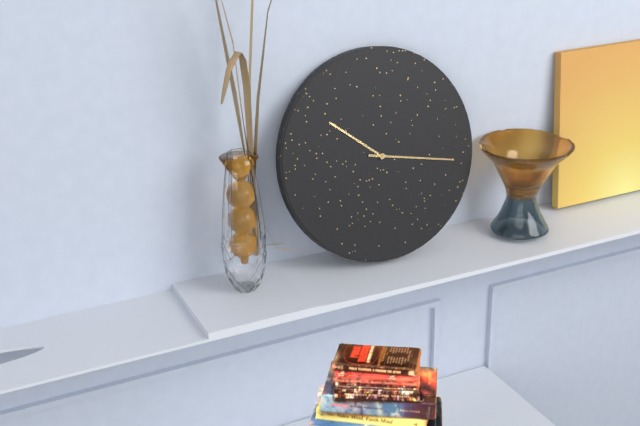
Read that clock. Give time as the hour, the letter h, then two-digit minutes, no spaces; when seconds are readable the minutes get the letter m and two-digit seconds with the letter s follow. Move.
10h17
